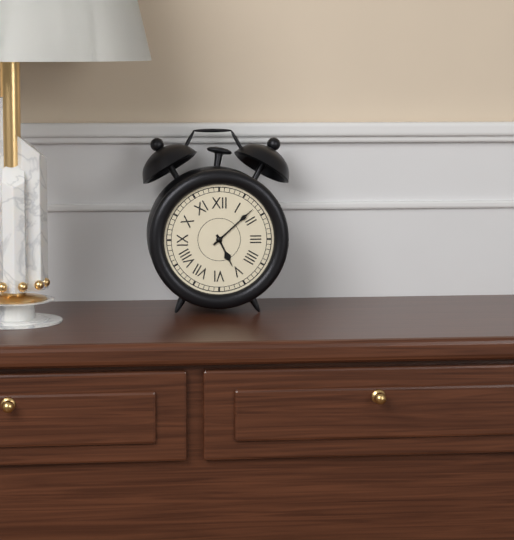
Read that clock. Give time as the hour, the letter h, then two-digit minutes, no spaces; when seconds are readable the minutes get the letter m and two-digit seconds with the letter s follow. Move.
5h08
